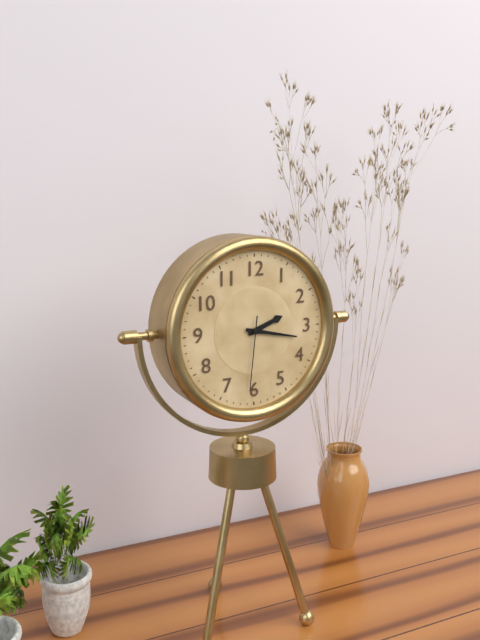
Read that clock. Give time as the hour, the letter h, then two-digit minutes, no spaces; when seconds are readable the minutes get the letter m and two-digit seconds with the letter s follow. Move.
2h17m31s
